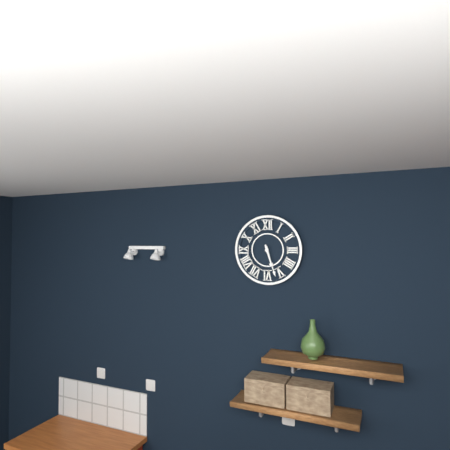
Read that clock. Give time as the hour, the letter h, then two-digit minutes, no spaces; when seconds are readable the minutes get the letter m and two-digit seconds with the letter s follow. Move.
5h27
